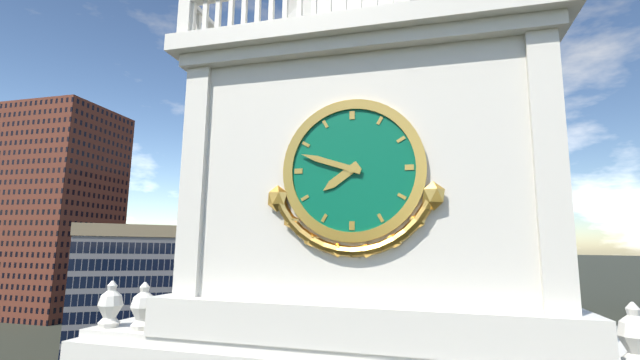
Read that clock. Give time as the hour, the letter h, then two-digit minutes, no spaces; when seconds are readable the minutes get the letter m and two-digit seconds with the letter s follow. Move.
7h48
